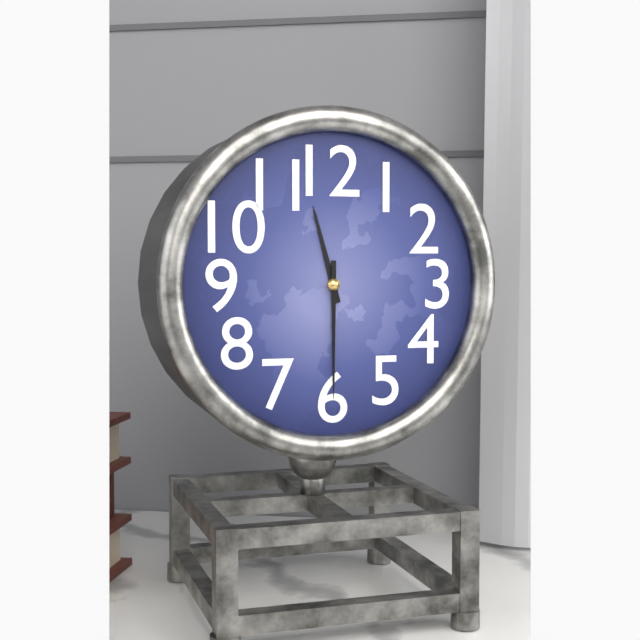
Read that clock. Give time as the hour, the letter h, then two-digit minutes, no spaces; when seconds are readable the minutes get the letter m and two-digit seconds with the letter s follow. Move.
11h30
